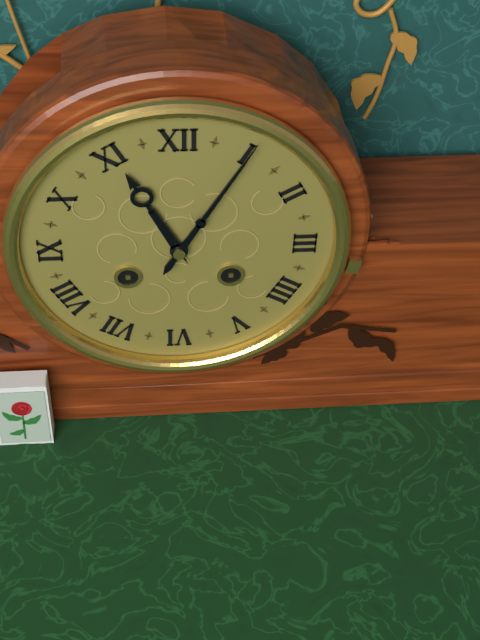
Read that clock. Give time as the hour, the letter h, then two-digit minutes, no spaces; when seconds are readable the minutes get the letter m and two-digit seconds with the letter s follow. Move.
11h05
